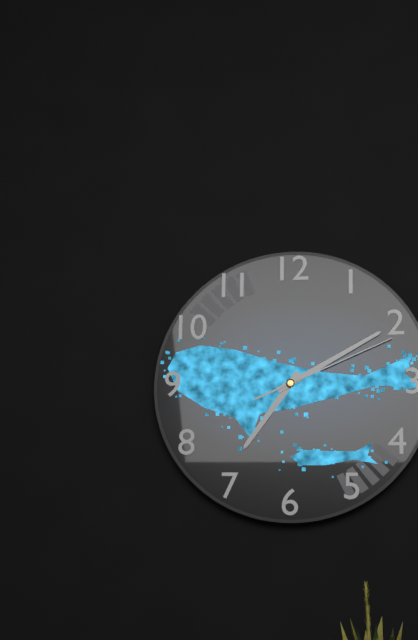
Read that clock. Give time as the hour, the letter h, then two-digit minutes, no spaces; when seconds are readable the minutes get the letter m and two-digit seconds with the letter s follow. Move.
7h10m11s
